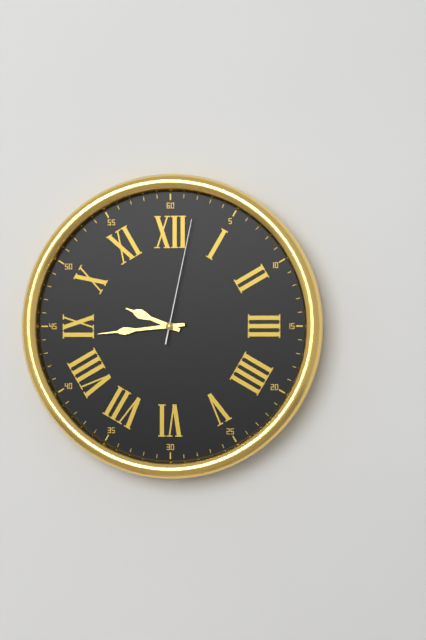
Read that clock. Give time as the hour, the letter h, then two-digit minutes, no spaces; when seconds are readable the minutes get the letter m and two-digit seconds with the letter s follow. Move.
9h44m02s
